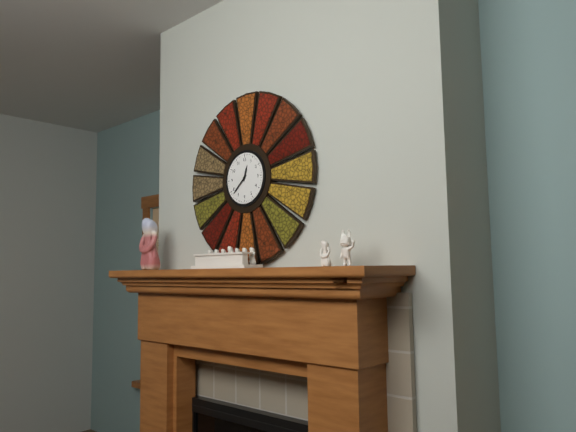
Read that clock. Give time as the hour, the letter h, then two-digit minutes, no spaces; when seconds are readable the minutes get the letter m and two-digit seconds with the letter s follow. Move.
12h38
